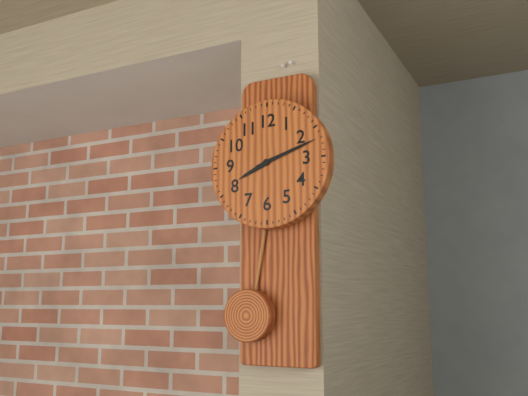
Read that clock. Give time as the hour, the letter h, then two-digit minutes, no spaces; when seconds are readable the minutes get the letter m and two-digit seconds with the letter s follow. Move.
8h12
